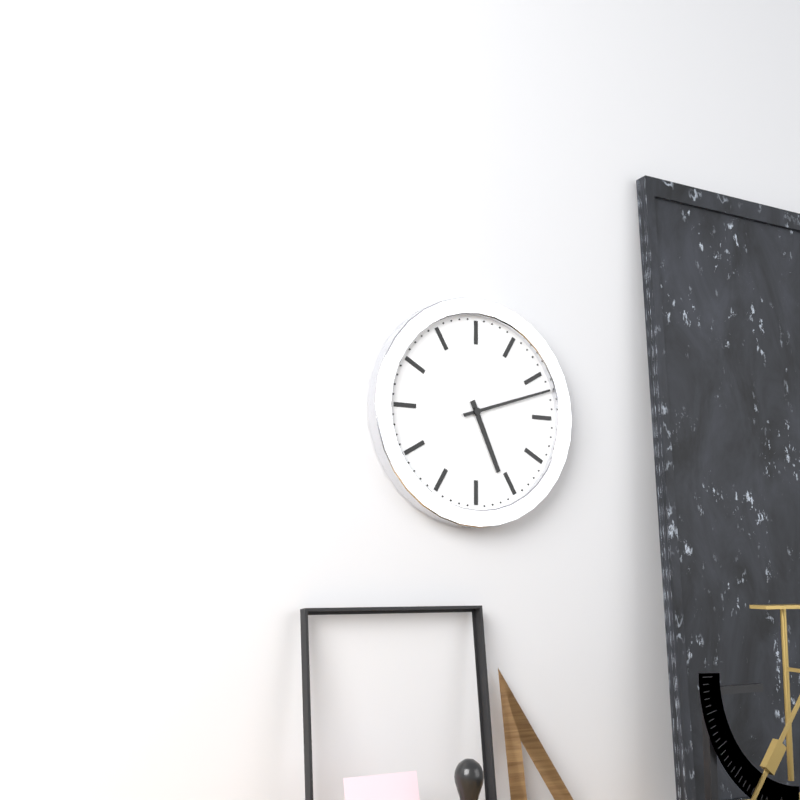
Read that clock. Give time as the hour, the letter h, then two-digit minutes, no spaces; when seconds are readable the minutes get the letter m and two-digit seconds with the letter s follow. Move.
5h12
